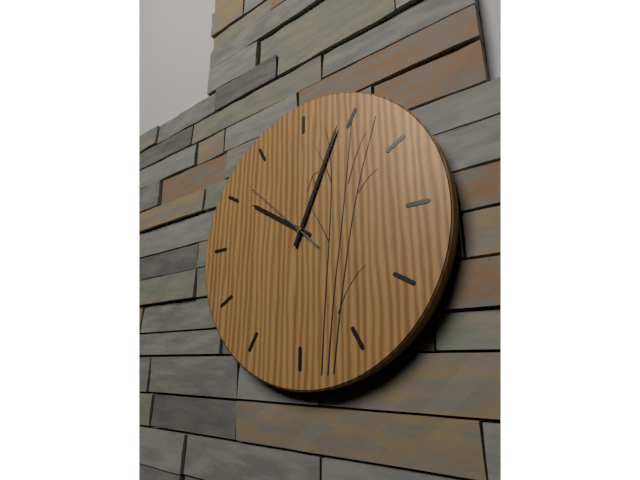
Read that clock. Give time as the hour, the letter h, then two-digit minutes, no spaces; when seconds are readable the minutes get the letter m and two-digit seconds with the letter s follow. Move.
10h04m52s
